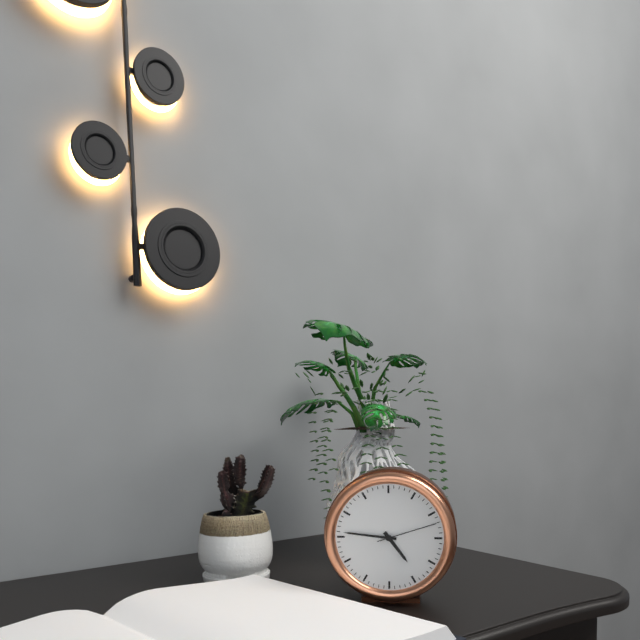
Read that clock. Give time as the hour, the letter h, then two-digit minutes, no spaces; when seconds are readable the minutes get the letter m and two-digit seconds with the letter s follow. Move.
4h46m12s
